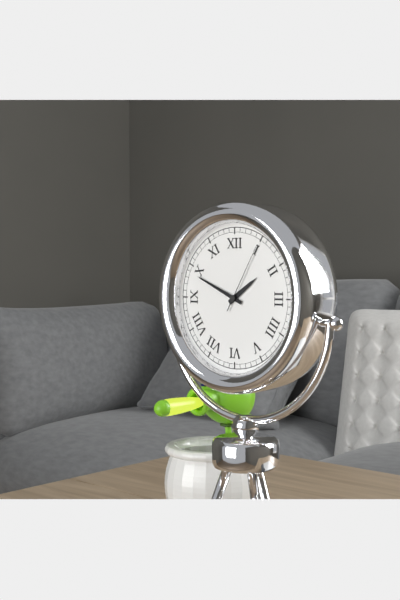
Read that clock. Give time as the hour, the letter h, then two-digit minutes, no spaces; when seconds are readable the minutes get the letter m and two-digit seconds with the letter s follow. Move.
1h49m05s
